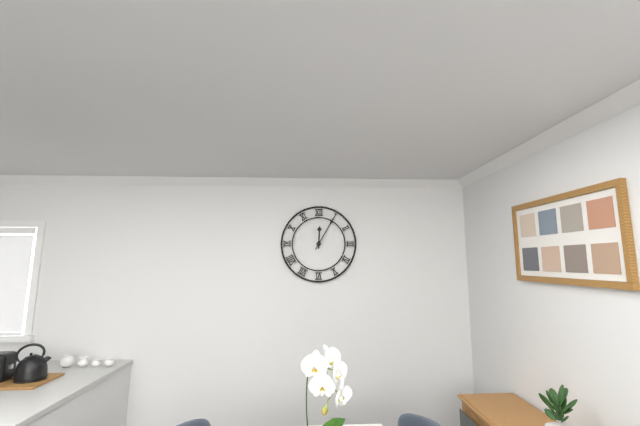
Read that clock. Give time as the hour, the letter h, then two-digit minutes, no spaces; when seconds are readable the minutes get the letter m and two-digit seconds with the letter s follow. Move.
12h05
